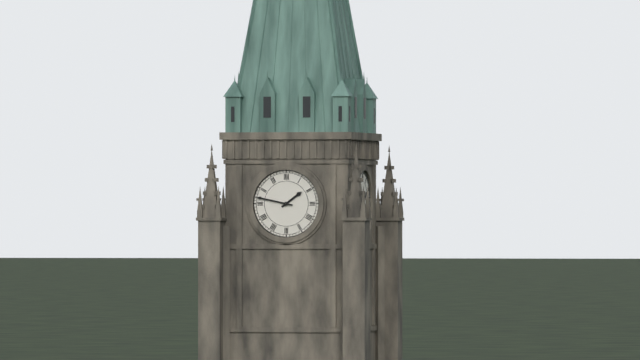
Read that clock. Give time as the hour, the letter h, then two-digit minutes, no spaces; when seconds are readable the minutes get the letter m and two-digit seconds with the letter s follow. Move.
1h47
